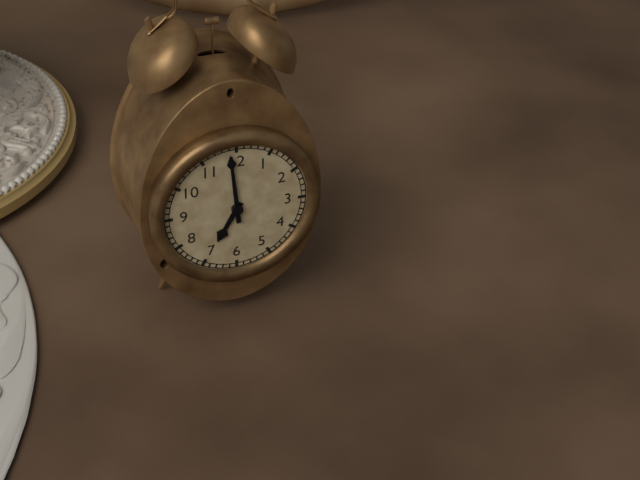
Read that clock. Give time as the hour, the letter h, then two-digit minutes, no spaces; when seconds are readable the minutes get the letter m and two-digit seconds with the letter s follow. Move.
6h59
